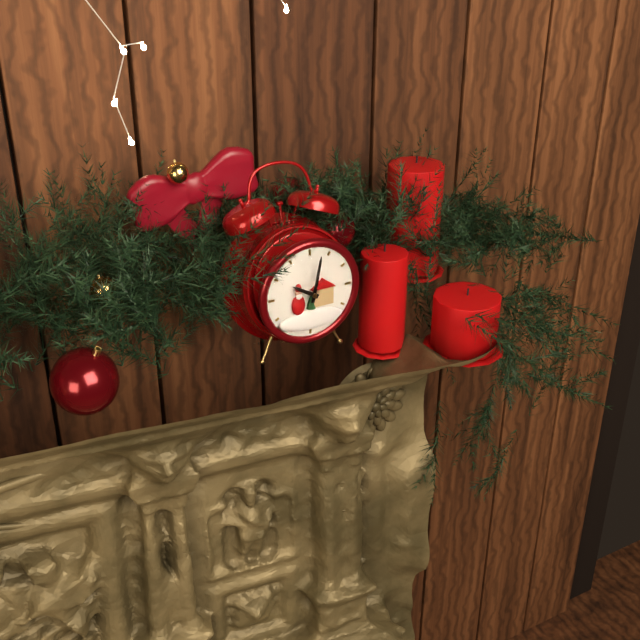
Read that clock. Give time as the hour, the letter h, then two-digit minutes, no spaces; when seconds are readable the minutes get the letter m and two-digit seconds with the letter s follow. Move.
10h02
